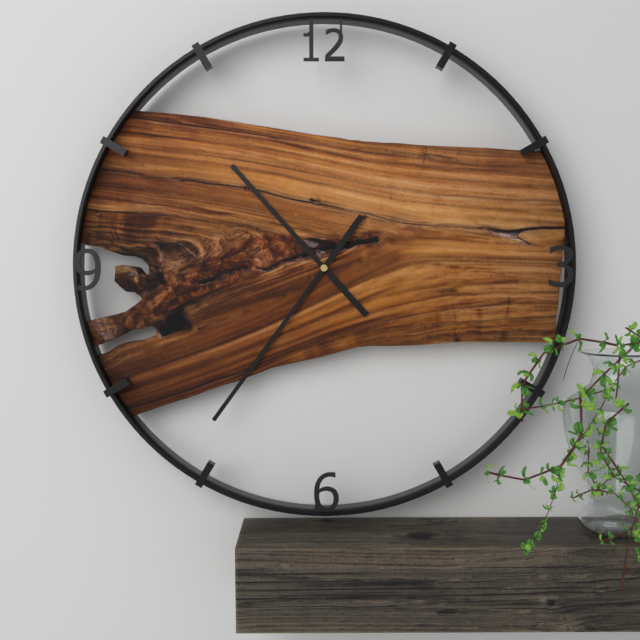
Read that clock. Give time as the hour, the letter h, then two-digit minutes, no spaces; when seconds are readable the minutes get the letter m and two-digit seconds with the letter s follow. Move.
10h36
